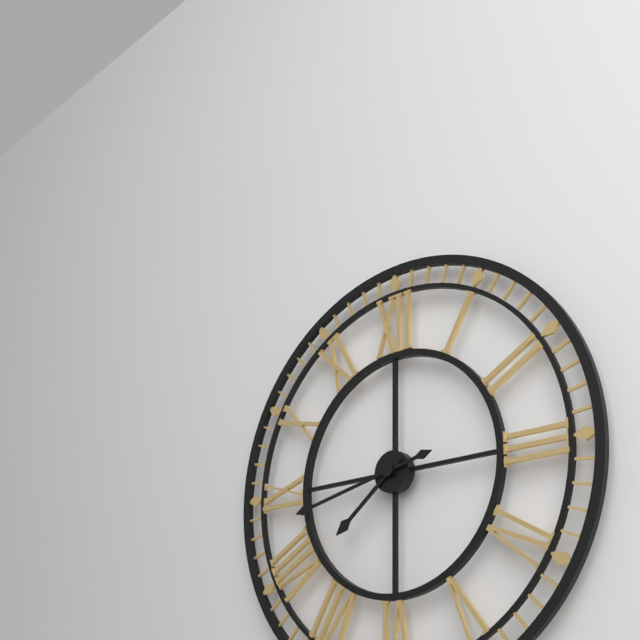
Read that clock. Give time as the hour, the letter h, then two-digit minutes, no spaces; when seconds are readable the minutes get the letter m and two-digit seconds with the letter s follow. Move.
7h43
